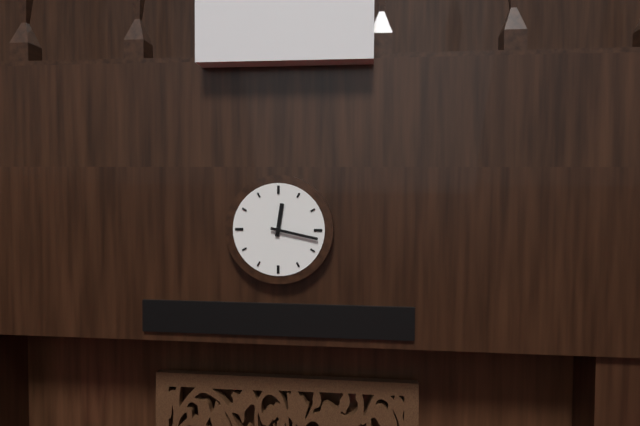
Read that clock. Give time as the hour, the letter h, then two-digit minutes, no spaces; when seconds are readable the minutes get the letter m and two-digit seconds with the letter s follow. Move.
12h17
